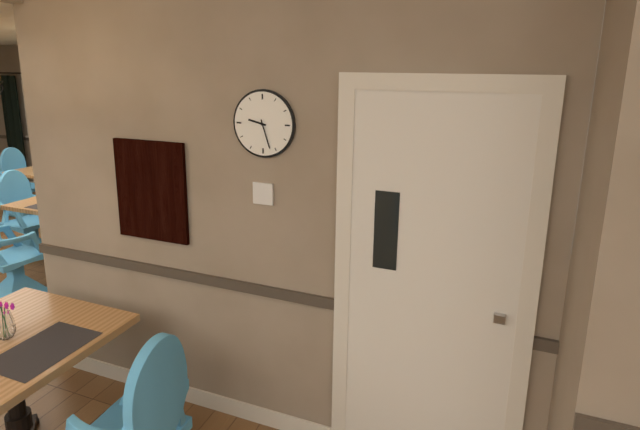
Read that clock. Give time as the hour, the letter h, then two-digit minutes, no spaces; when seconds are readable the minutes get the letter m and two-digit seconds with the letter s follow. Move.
9h27
